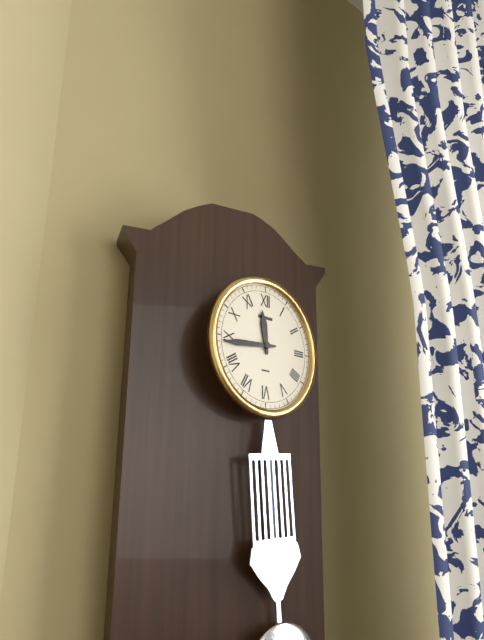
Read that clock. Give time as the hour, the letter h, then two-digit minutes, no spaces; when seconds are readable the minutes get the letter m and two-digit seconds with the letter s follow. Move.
11h44
